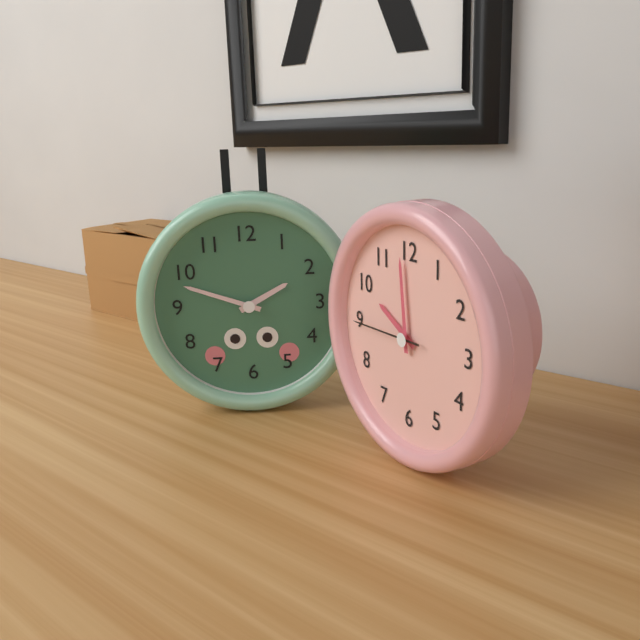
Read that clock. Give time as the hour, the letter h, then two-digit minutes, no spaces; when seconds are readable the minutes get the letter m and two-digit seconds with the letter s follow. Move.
9h59m45s
